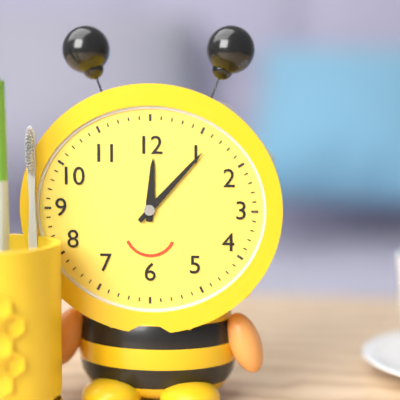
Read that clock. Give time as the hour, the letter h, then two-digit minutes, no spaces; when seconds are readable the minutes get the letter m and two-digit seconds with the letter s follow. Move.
12h07
